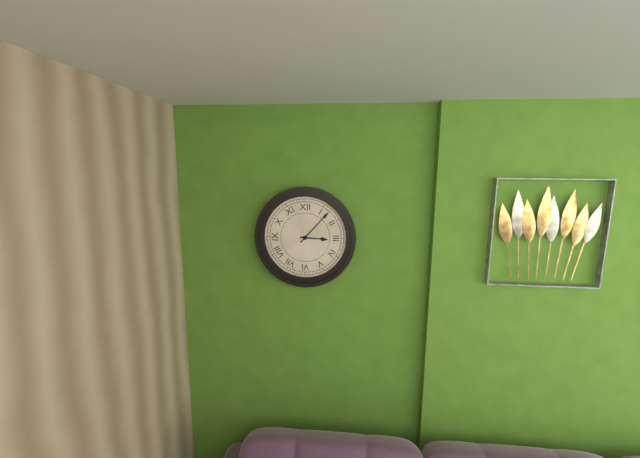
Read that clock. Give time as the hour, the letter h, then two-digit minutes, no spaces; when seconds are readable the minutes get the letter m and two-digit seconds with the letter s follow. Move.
3h07
